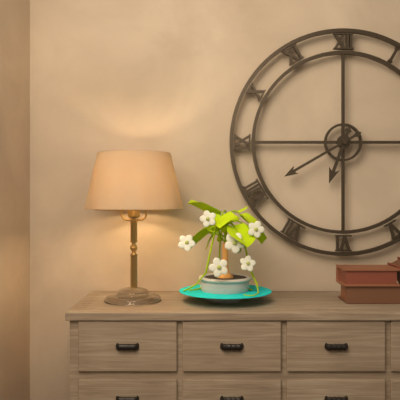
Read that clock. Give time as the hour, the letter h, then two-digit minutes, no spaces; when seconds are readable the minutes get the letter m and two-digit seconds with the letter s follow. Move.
6h40
